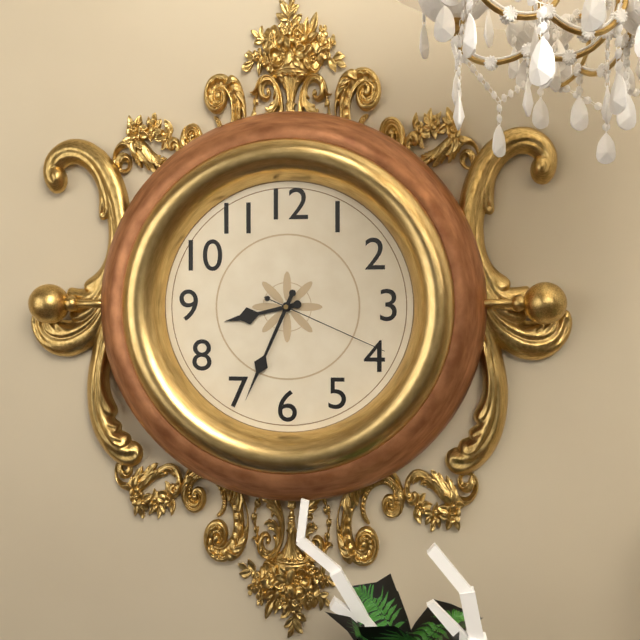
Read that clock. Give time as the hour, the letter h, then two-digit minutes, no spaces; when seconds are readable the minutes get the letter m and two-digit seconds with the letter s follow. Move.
8h34m19s
